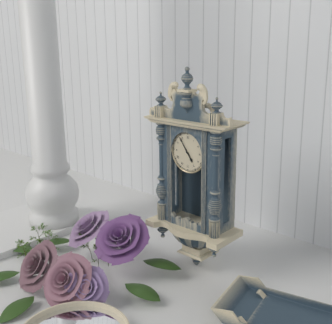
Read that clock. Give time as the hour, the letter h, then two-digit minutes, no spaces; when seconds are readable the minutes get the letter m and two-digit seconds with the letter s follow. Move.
4h54
